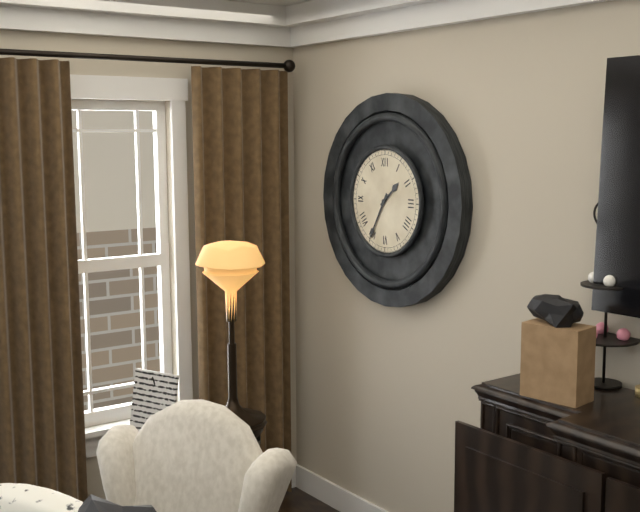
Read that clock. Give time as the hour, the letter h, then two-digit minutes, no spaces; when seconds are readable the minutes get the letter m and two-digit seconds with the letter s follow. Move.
1h35
